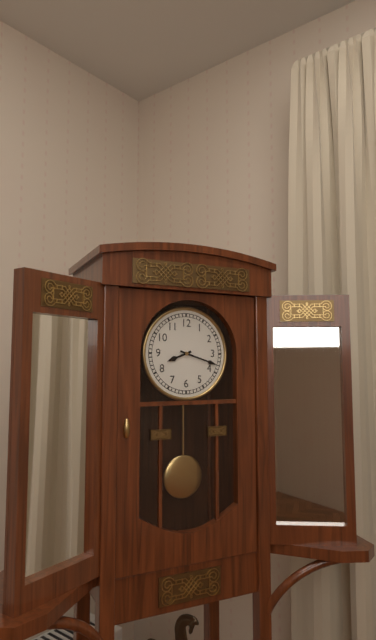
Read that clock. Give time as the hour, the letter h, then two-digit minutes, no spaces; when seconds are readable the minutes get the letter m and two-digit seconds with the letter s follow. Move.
8h18
